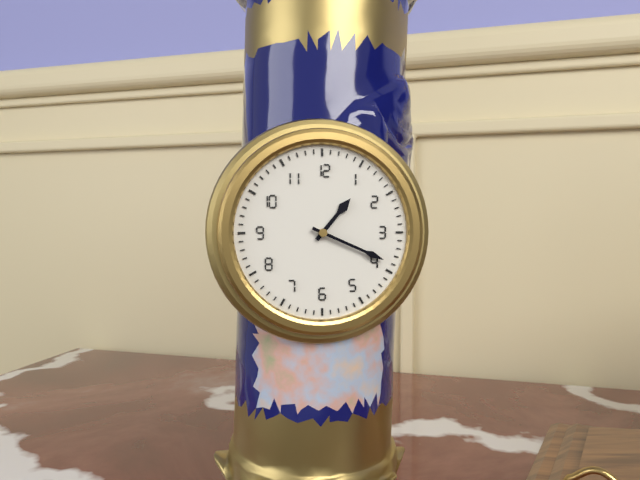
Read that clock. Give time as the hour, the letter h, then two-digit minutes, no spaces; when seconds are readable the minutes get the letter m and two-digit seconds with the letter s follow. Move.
1h19
